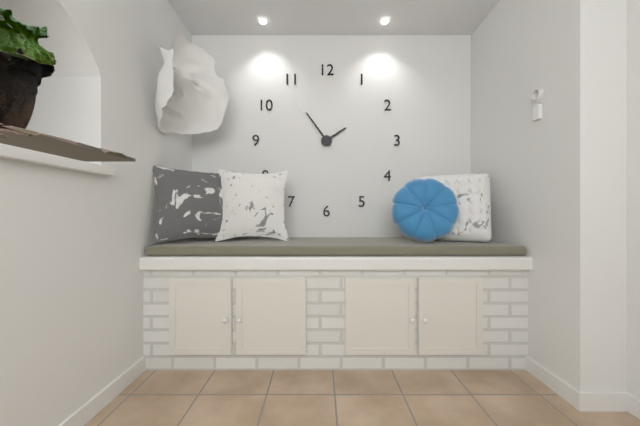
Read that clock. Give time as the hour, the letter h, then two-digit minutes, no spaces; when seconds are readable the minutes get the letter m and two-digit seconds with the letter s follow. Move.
1h54
